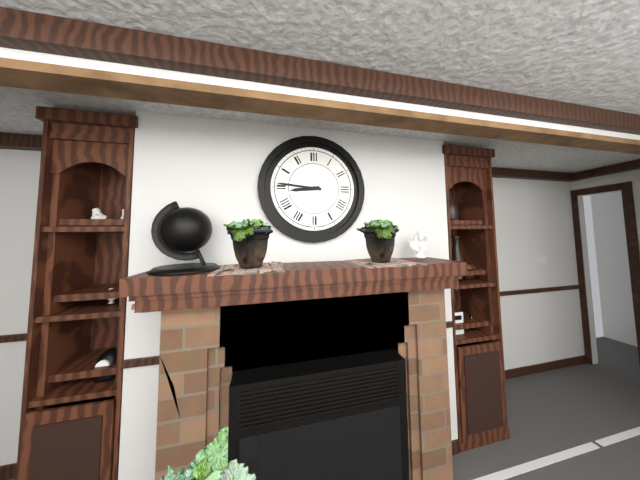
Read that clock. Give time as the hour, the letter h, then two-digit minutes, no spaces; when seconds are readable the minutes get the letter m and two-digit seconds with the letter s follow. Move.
8h46
